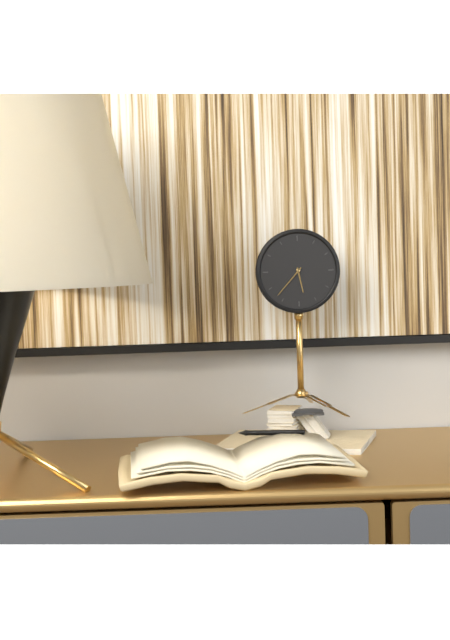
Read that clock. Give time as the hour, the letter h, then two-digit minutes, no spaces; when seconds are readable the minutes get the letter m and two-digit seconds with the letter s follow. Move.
5h37
